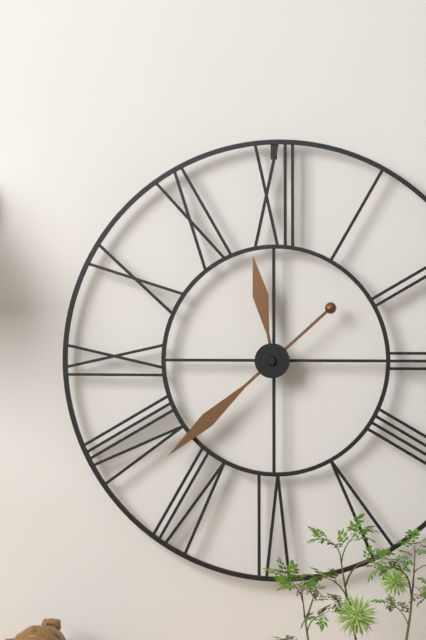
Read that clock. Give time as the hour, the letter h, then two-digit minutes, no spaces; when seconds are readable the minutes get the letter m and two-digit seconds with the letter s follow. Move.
11h38
